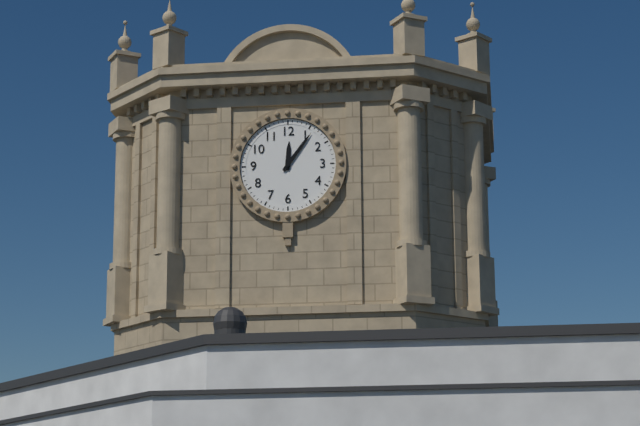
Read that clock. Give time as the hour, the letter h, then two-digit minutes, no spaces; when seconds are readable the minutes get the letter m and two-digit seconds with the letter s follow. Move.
12h06
